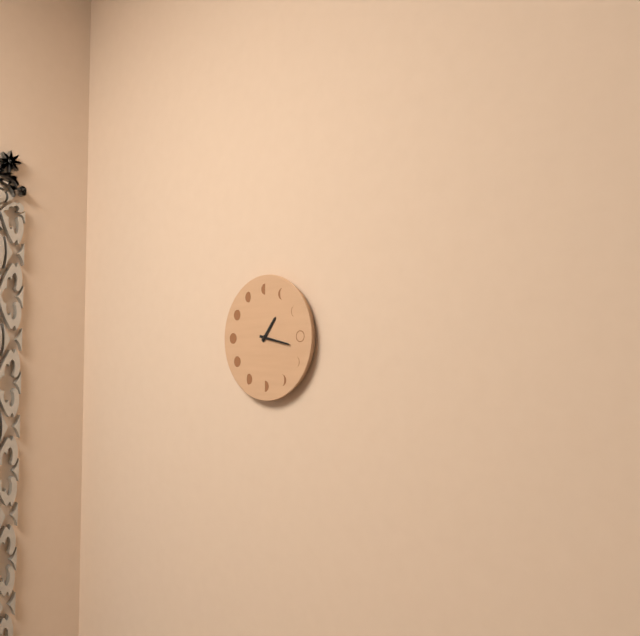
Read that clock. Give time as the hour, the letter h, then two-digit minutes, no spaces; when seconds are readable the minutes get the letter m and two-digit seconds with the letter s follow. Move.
1h17
